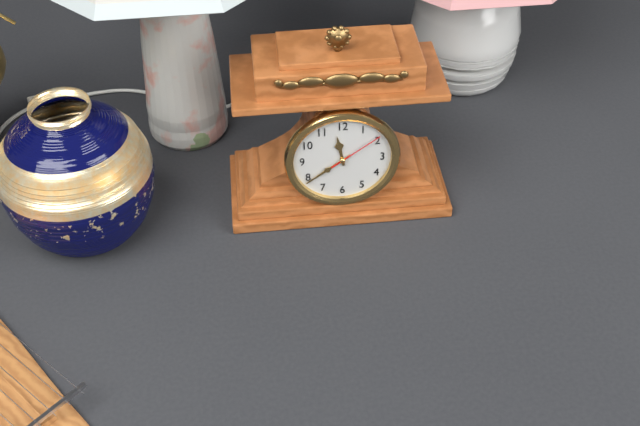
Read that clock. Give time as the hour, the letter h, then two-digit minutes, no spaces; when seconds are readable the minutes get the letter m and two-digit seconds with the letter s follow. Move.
11h39m09s
